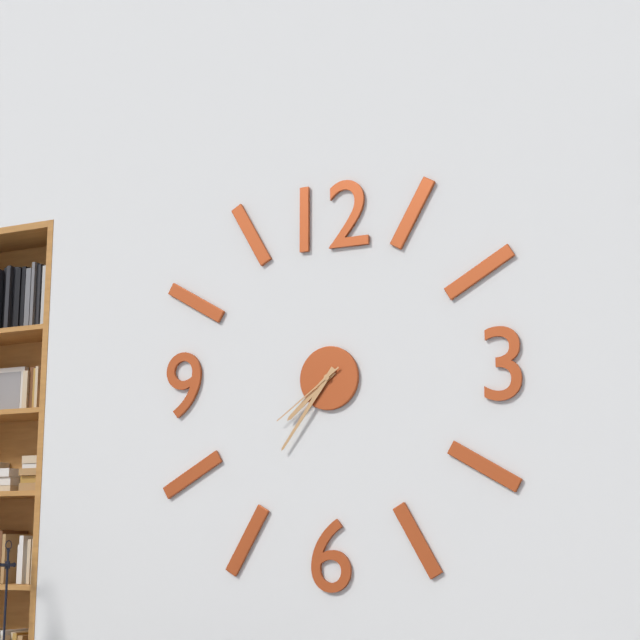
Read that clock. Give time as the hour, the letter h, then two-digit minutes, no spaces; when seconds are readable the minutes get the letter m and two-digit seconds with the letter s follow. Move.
7h36m39s
